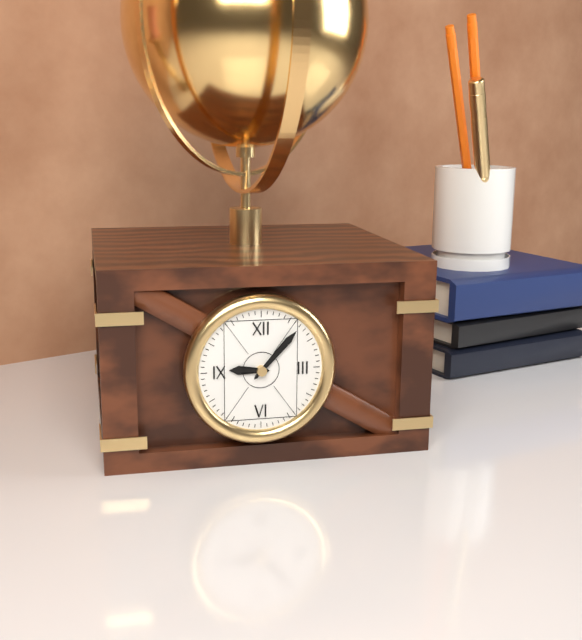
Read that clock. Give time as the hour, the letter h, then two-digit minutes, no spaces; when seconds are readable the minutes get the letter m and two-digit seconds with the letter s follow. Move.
9h07
